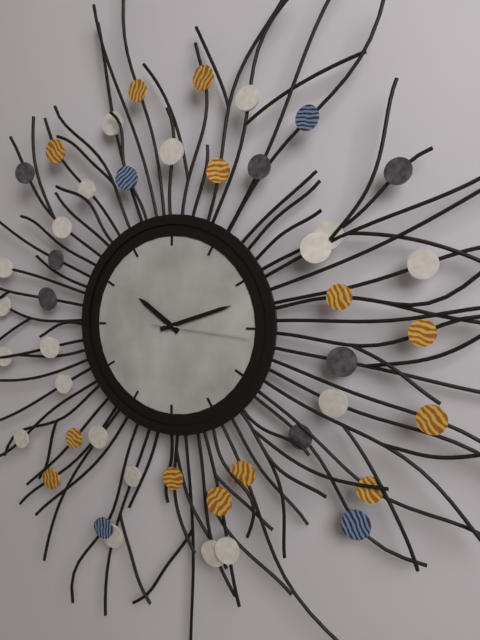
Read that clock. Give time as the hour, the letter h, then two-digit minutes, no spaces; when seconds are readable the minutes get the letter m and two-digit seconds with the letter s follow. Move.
10h12m16s
